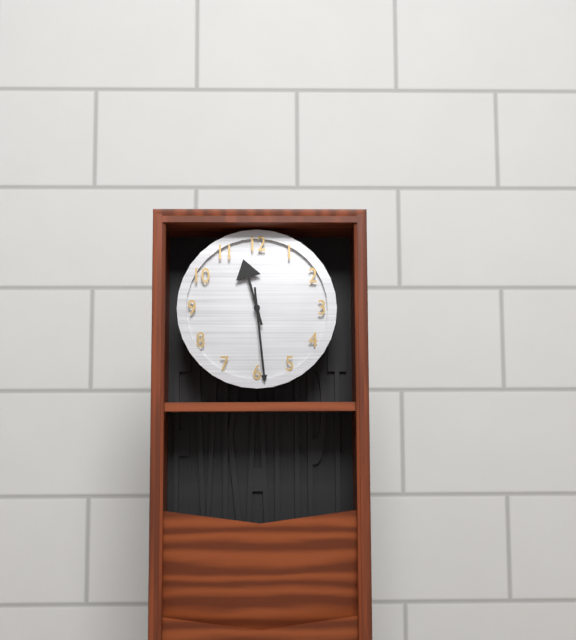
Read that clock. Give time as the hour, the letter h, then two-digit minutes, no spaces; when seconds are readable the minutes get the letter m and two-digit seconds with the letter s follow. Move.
11h29
